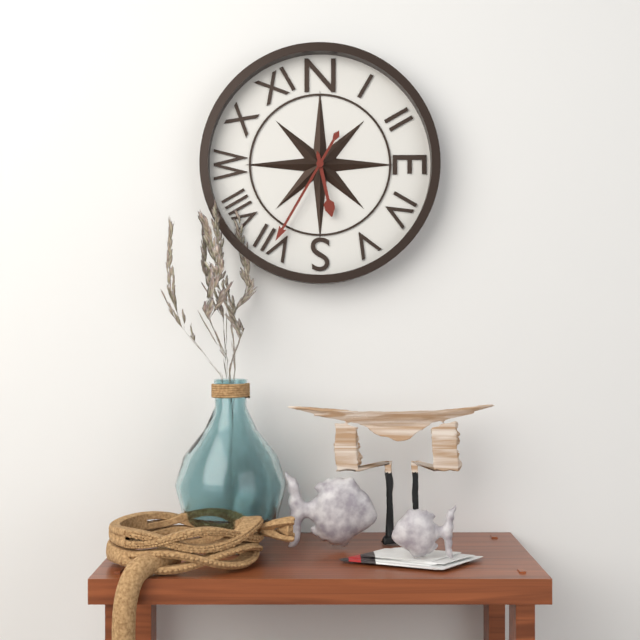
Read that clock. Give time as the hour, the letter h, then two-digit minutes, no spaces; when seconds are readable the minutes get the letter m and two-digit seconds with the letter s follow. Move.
5h35
